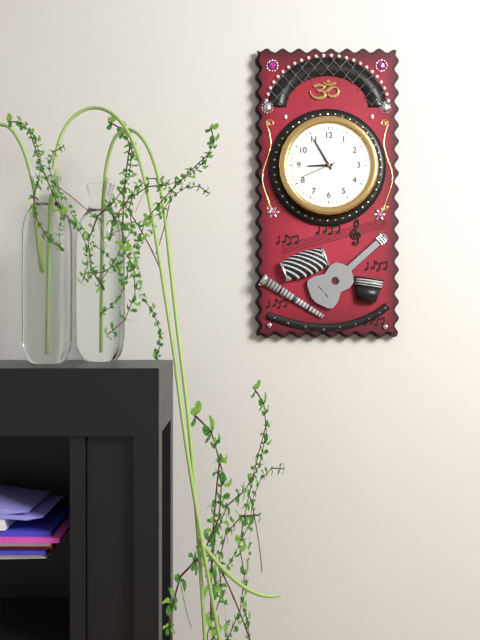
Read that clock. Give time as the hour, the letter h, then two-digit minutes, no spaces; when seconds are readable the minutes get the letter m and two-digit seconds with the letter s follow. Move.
8h55
